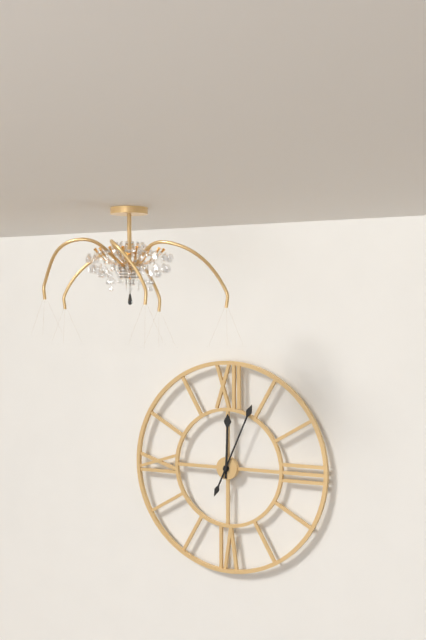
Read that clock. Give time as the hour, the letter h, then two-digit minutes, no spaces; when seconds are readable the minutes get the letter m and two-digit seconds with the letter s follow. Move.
12h04
